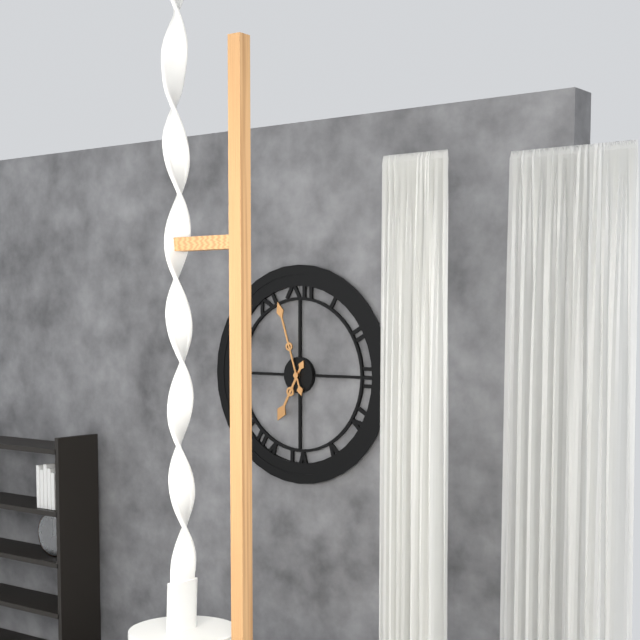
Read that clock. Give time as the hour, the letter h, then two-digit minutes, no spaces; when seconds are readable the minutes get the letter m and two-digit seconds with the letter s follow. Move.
6h57
